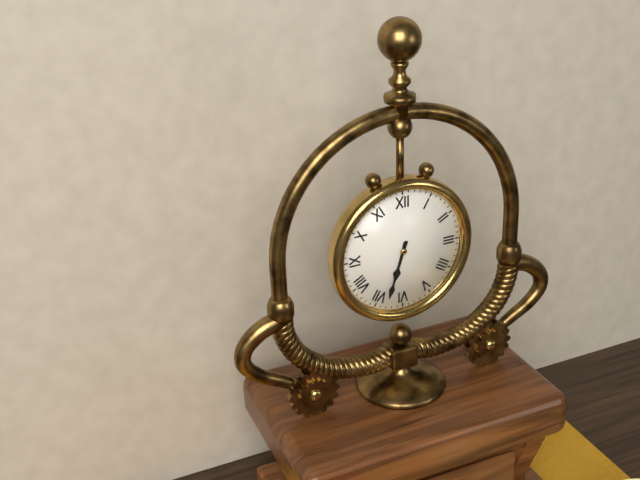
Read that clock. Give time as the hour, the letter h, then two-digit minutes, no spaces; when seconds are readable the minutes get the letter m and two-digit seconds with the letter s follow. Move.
6h33
